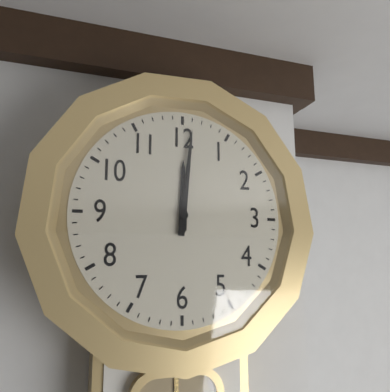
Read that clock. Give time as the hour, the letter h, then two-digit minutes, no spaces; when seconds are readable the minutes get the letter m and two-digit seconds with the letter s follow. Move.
12h01
